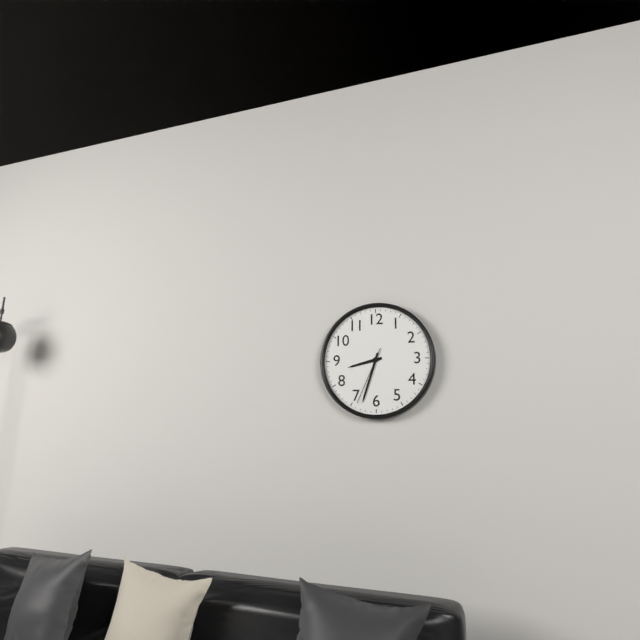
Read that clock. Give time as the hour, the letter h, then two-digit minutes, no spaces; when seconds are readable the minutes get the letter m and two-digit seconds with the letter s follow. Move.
8h33m34s
